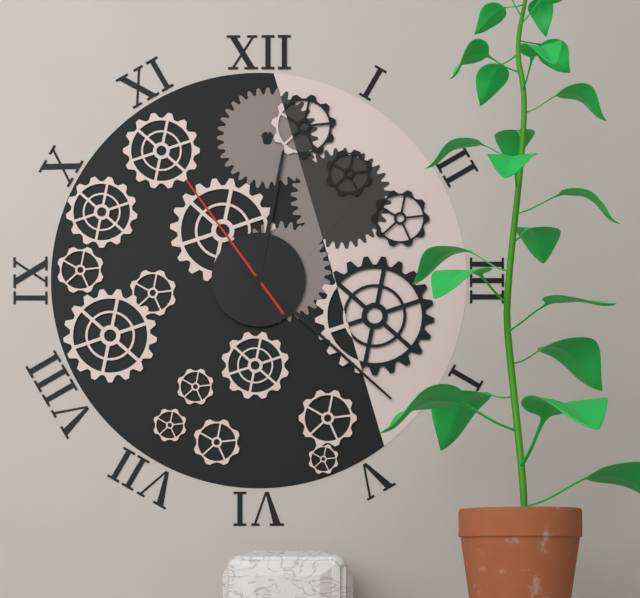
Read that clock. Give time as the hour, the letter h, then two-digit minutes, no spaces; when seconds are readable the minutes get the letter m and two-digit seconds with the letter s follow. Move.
12h22m54s
